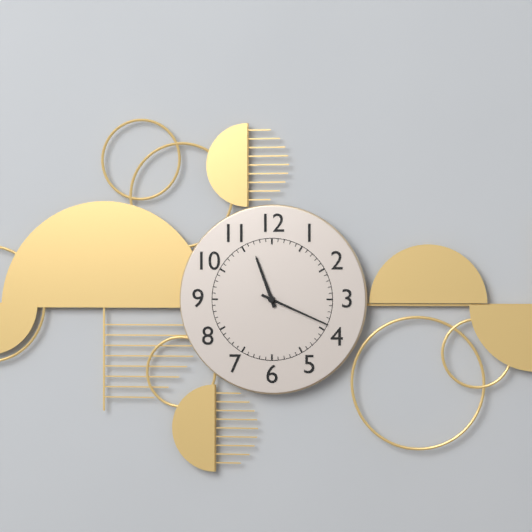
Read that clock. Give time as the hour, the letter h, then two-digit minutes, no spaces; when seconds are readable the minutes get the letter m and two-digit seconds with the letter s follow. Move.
11h19
